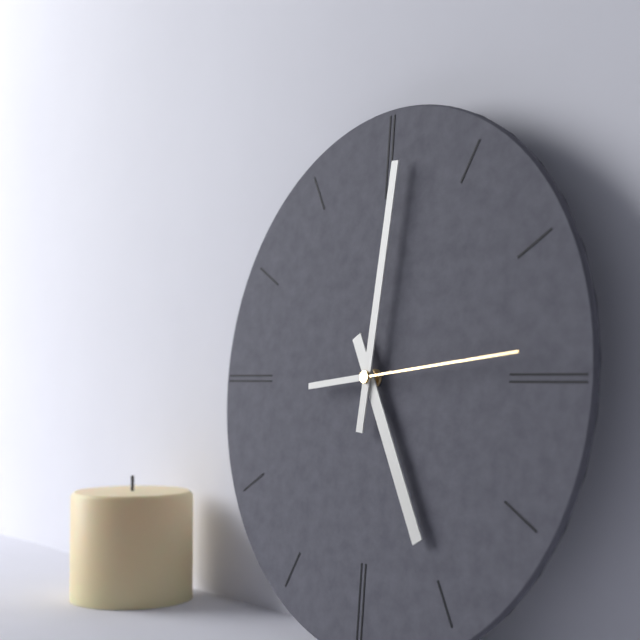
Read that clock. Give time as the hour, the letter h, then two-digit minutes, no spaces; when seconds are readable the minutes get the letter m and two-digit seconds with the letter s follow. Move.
5h01m14s
